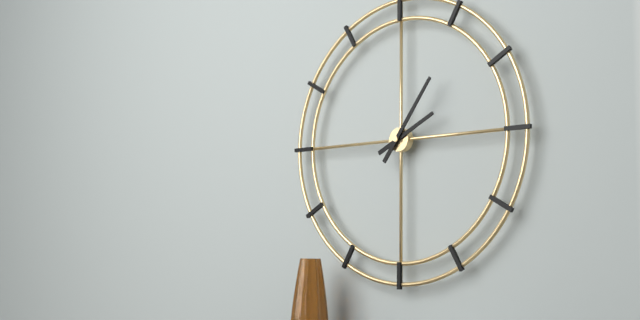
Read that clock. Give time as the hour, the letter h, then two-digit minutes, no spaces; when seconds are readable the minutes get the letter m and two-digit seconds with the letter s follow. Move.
2h06
